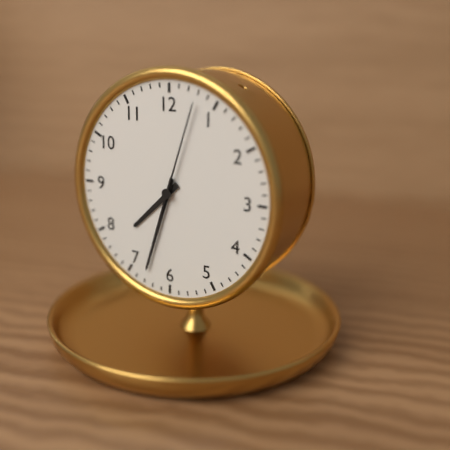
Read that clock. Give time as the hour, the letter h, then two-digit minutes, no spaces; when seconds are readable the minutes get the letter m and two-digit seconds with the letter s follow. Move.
7h33m03s
